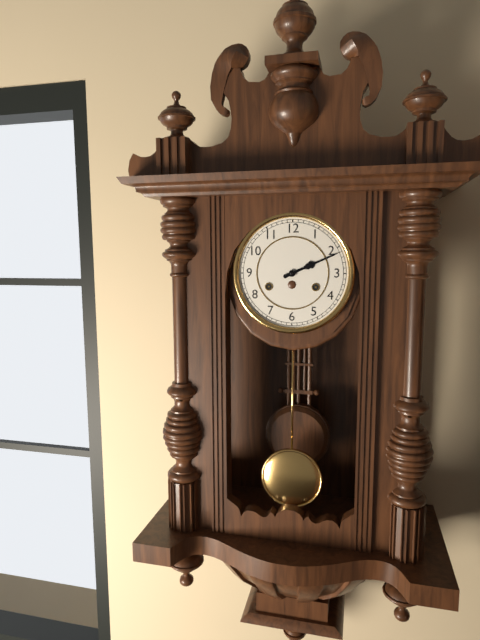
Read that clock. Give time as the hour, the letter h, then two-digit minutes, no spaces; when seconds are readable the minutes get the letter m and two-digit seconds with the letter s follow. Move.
2h11
